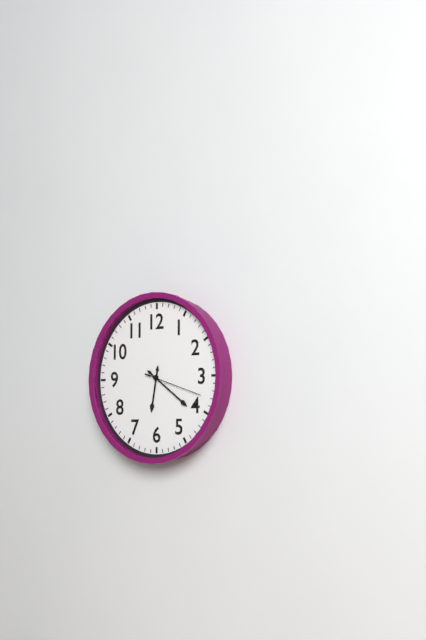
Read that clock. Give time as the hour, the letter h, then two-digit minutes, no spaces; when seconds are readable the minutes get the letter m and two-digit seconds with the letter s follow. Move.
6h21m18s
